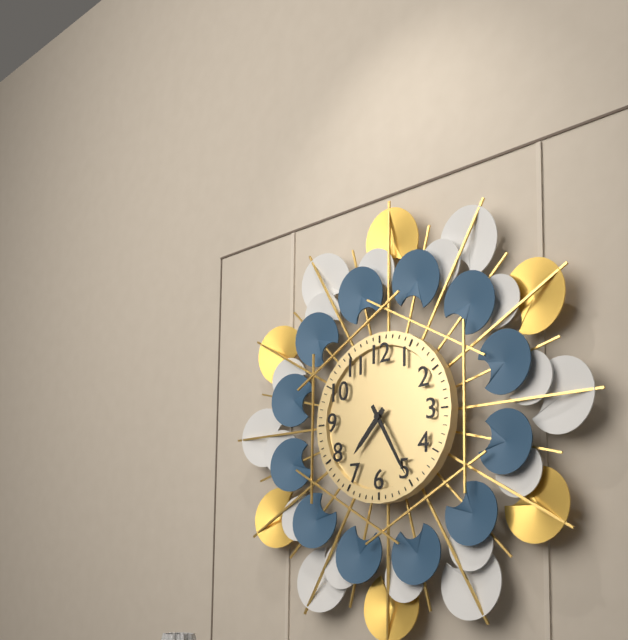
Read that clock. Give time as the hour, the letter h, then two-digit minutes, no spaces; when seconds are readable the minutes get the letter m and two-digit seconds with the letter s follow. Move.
7h25
